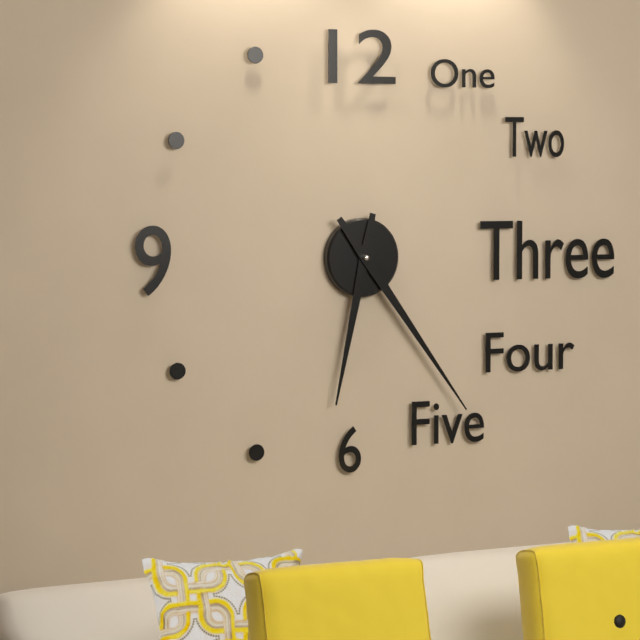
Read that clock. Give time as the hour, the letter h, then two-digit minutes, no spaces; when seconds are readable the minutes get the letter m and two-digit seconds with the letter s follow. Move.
6h24
